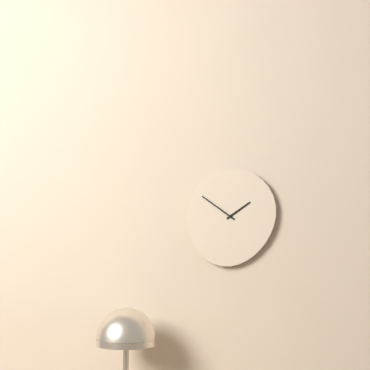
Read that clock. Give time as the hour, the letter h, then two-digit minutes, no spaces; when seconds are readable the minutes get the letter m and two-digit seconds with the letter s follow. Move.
1h51
